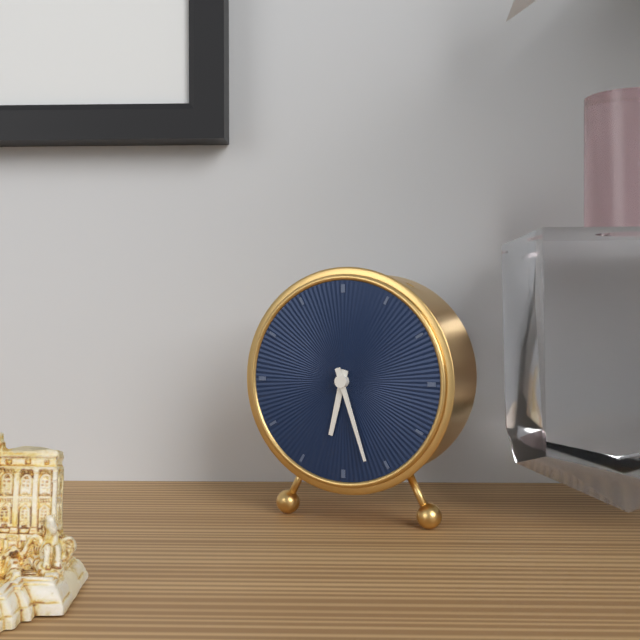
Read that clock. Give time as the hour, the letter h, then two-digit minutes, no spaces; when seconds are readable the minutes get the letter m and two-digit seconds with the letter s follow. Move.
6h27
